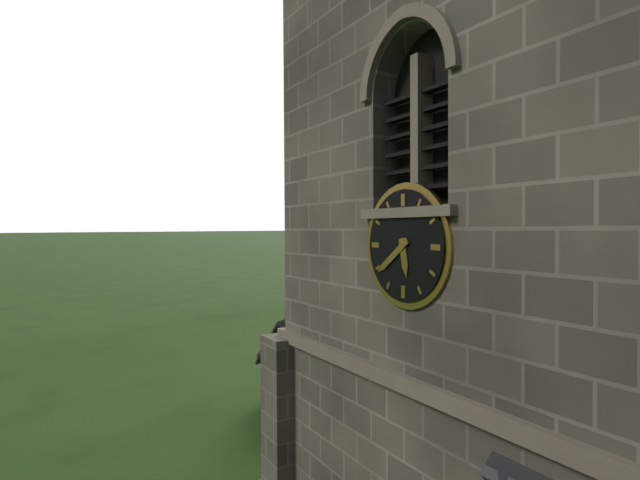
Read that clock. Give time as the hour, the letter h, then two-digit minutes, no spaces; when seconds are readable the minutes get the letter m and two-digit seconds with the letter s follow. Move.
5h39
